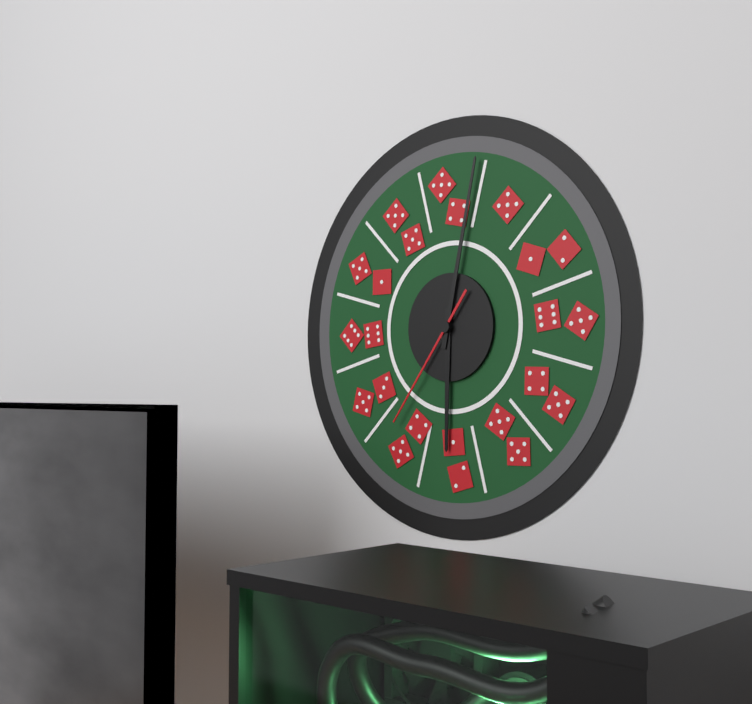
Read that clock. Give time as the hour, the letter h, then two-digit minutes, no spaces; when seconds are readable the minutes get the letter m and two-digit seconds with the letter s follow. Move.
6h02m36s
